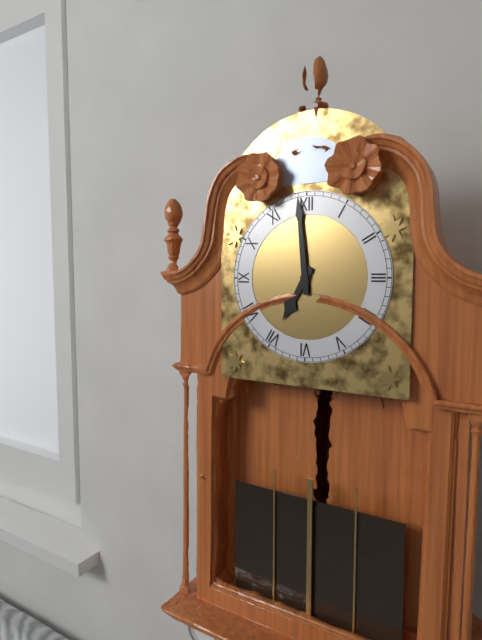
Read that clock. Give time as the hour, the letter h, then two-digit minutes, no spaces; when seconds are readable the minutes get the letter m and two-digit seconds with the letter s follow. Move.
6h59
